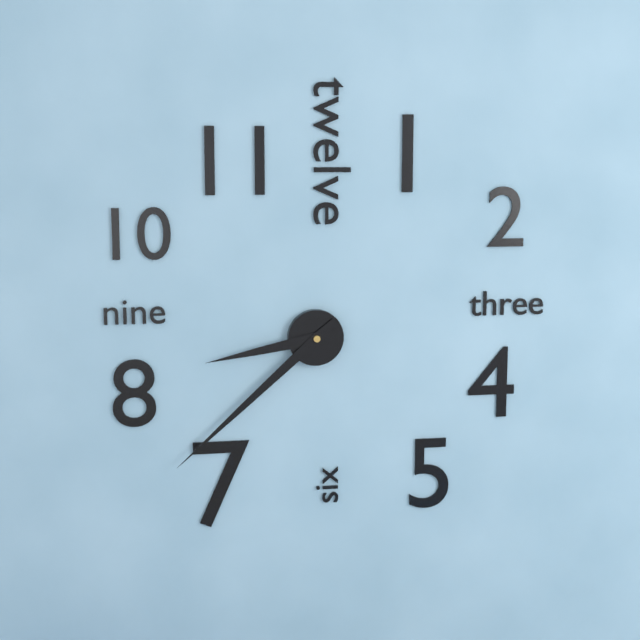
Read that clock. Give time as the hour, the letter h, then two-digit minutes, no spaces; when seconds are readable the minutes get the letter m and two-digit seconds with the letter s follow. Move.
8h38
